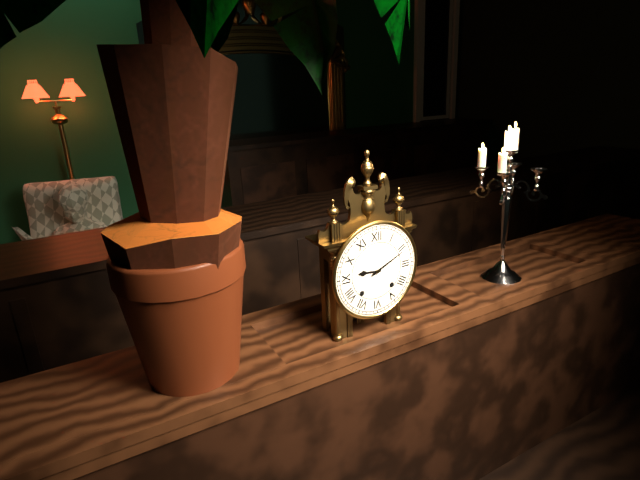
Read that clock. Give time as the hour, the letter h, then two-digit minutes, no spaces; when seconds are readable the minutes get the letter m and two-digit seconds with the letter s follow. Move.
9h11
